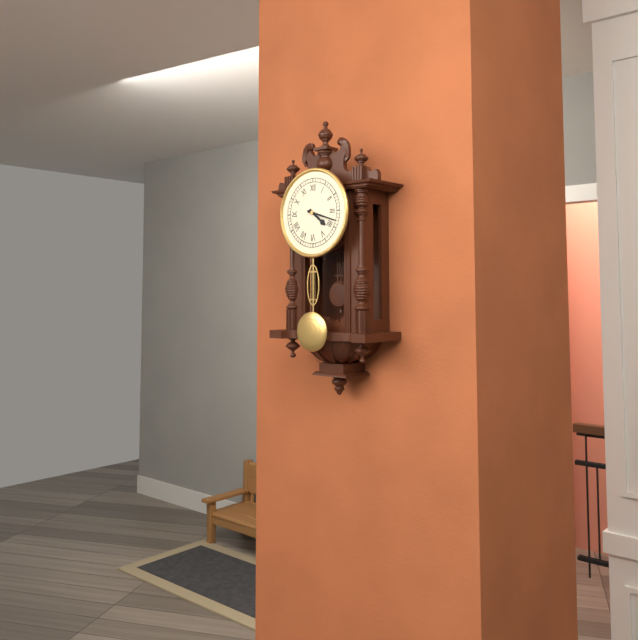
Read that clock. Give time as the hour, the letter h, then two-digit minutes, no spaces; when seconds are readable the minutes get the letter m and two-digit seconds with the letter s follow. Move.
4h18
